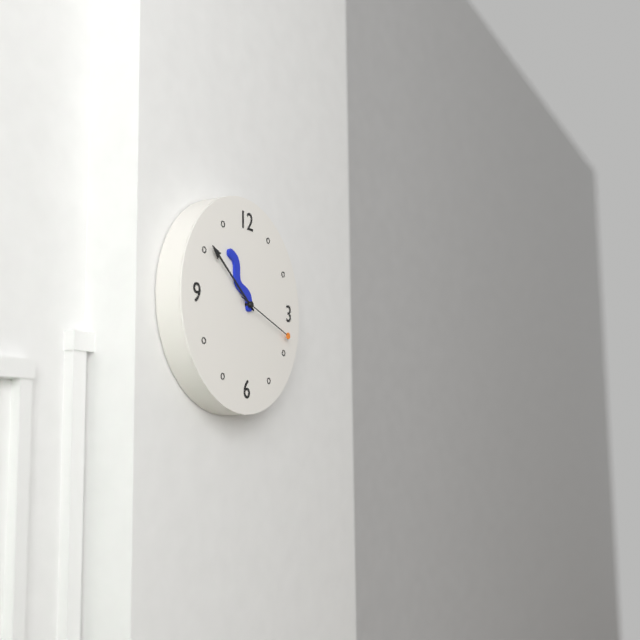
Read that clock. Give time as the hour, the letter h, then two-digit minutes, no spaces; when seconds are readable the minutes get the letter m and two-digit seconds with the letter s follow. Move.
10h51m18s
